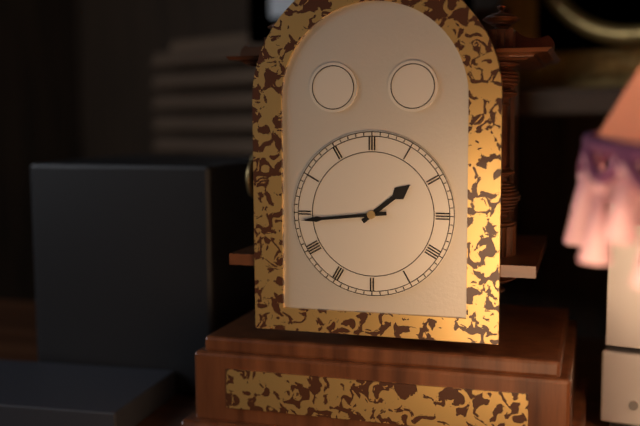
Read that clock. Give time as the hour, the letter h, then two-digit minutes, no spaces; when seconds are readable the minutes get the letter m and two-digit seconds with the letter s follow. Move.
1h44
